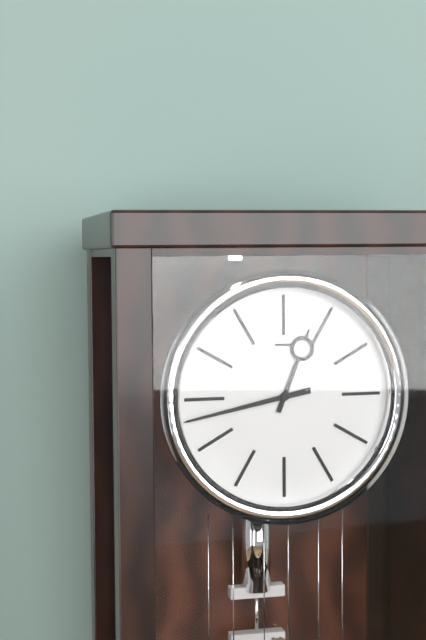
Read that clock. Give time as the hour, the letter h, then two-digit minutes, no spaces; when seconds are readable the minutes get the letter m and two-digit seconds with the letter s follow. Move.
12h43
